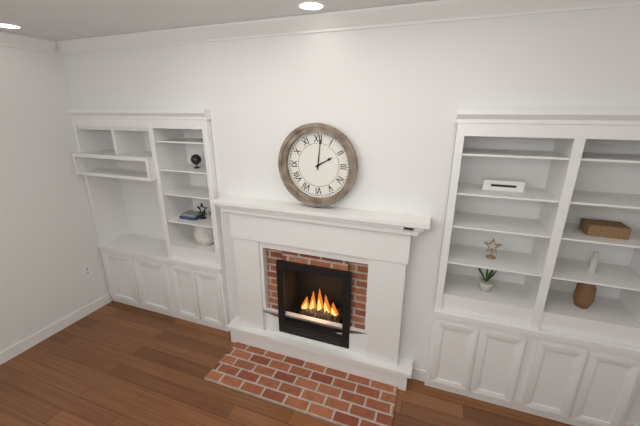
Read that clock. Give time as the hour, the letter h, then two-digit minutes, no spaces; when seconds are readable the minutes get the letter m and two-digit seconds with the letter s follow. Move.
2h01
